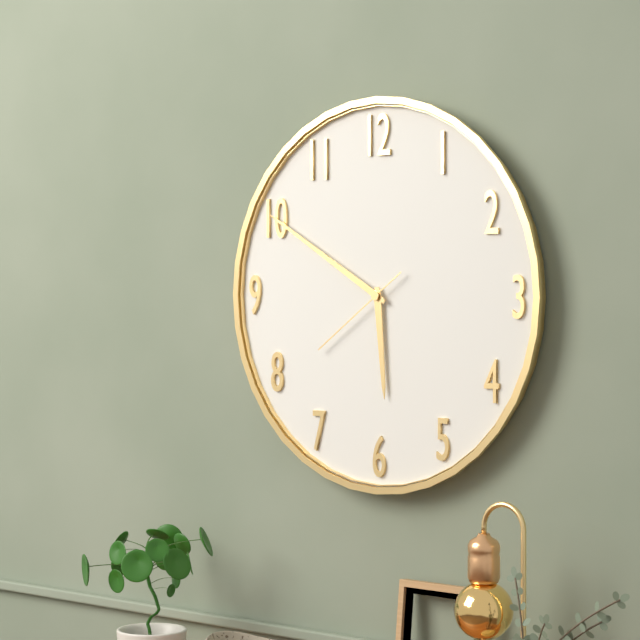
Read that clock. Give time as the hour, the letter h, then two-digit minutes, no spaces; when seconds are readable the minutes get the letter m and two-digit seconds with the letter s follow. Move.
5h50m39s
